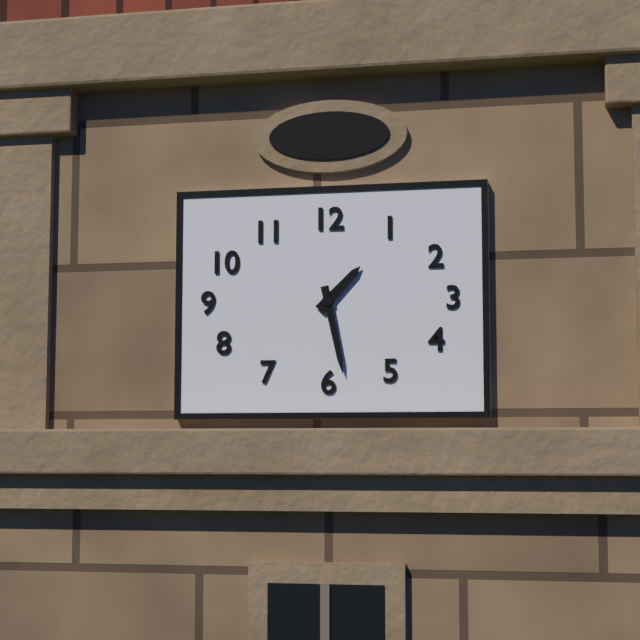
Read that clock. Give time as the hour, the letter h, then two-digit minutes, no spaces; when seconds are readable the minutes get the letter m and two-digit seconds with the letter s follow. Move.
1h28
